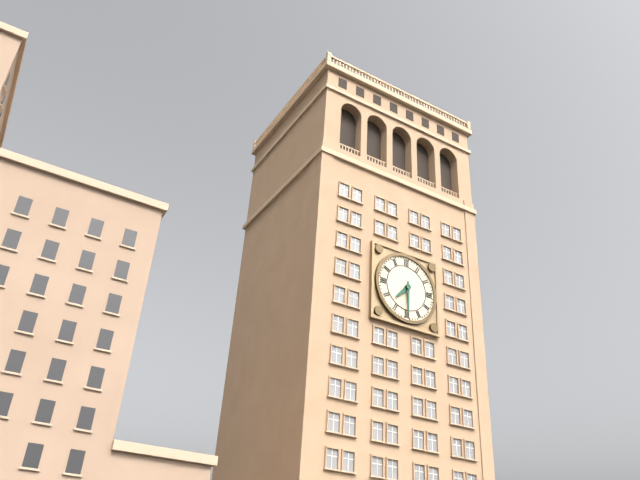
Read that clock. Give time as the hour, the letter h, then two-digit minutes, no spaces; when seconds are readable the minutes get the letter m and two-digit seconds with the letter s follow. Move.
7h30
